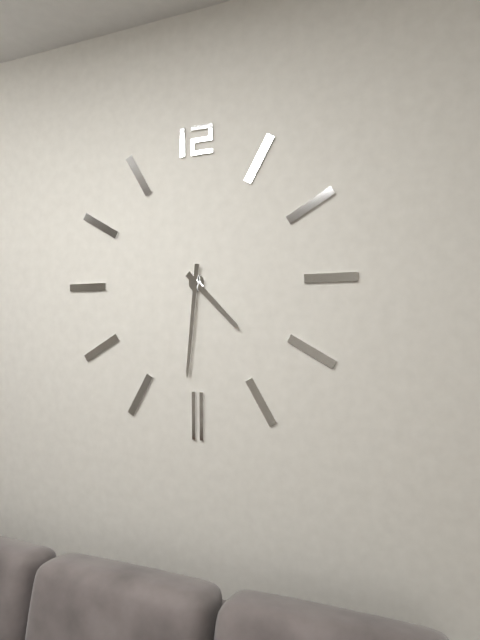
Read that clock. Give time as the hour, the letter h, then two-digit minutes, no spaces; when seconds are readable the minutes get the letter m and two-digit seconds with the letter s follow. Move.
4h31
